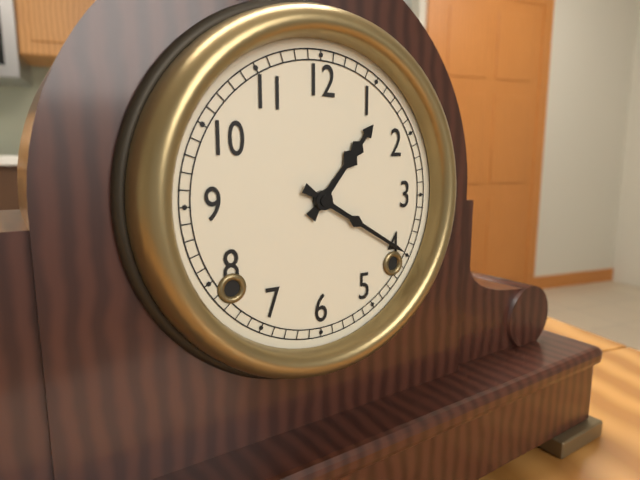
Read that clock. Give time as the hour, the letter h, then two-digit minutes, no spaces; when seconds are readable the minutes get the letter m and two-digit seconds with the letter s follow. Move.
1h20
